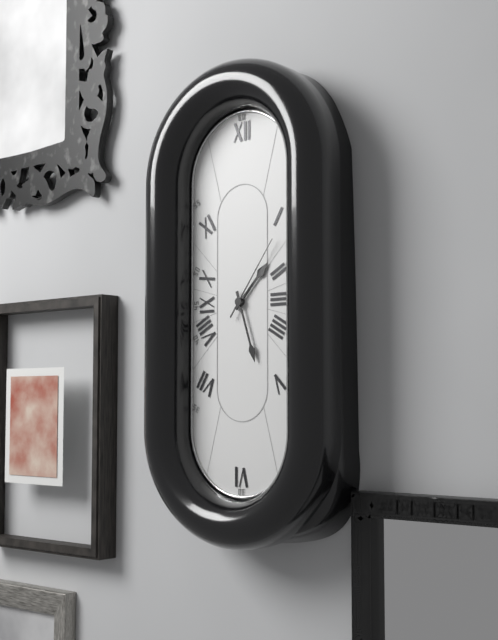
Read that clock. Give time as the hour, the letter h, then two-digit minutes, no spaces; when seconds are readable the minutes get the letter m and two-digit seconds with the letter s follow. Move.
1h27m06s
